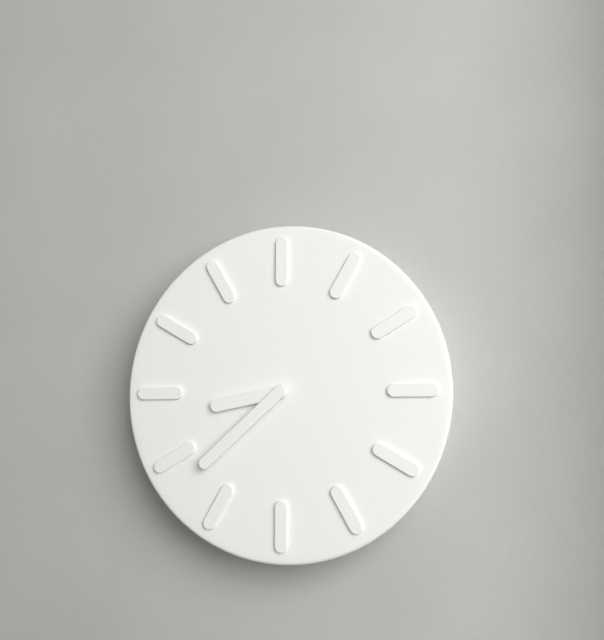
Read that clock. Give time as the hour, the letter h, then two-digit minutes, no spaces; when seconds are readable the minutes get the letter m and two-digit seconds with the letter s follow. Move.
8h38
